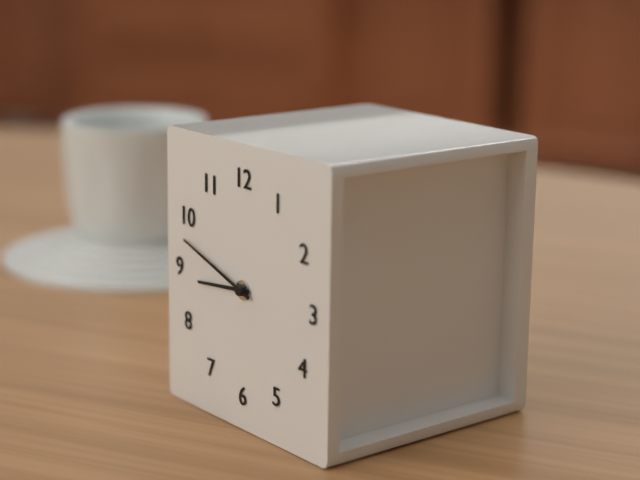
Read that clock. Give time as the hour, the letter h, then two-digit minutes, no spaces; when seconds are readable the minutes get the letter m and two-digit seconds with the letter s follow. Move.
8h48
